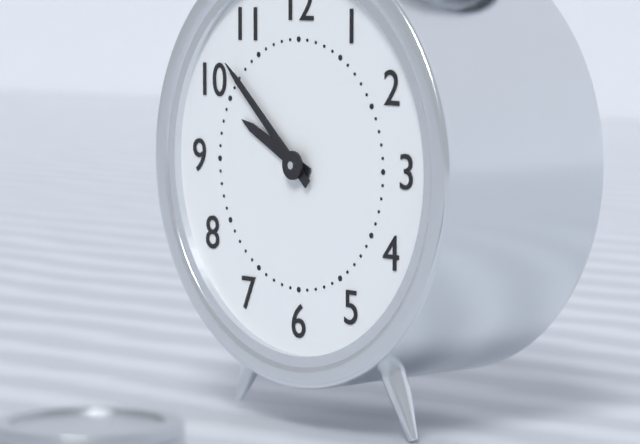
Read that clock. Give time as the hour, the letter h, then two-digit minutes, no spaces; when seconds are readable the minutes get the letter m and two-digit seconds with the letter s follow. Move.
9h52
